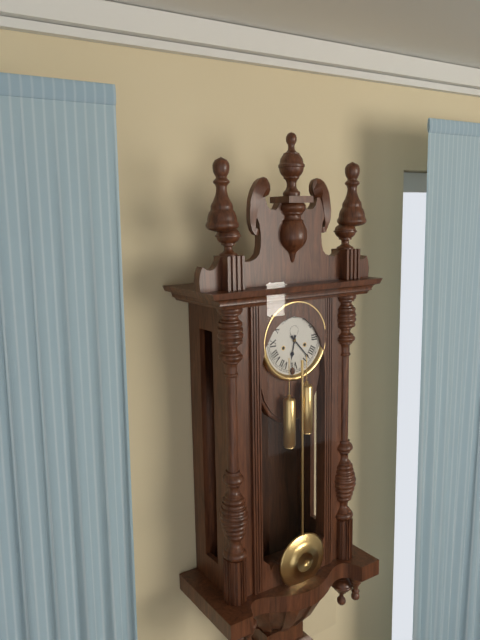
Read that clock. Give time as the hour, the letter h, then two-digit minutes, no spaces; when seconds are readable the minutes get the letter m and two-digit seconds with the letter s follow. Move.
6h23
